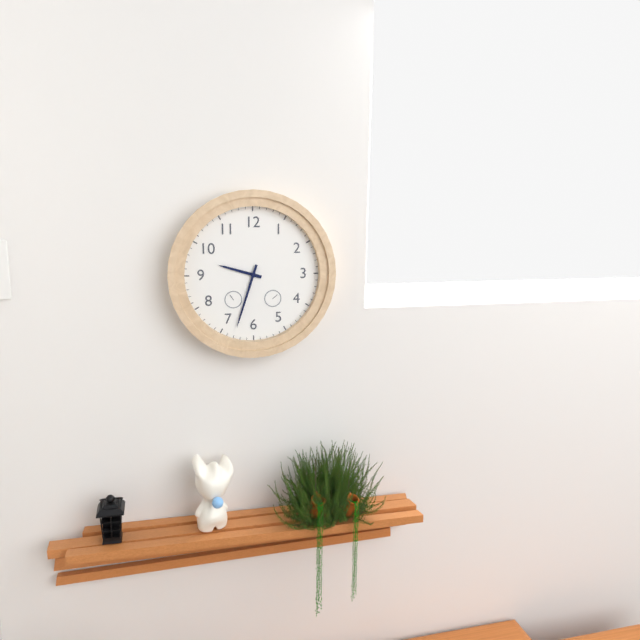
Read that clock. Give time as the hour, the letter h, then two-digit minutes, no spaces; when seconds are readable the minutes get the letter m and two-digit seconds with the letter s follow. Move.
9h33
